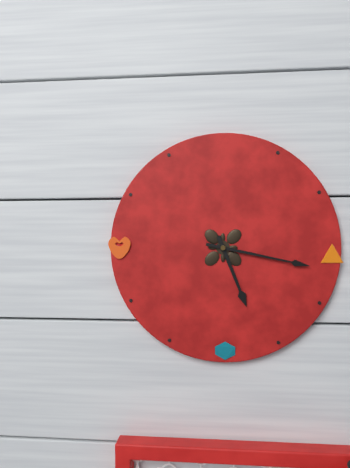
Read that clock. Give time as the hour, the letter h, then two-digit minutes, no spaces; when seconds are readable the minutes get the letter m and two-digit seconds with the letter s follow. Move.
5h17
